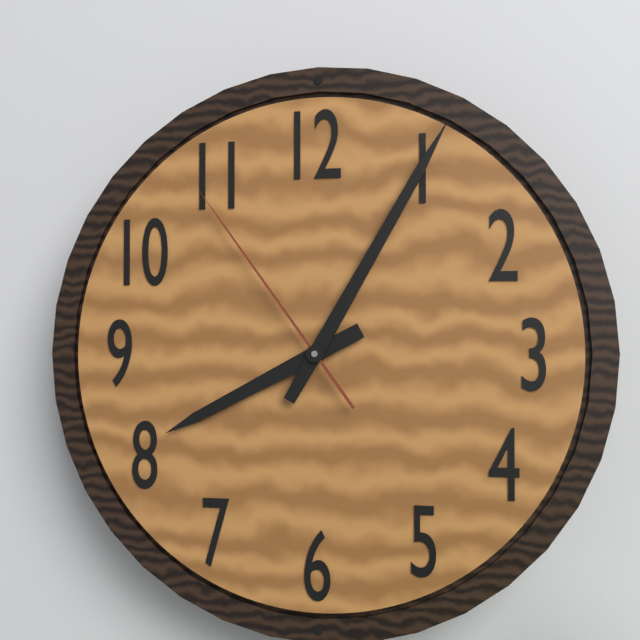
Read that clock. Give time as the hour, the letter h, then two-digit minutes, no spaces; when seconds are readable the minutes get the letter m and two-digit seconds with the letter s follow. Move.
8h05m54s
